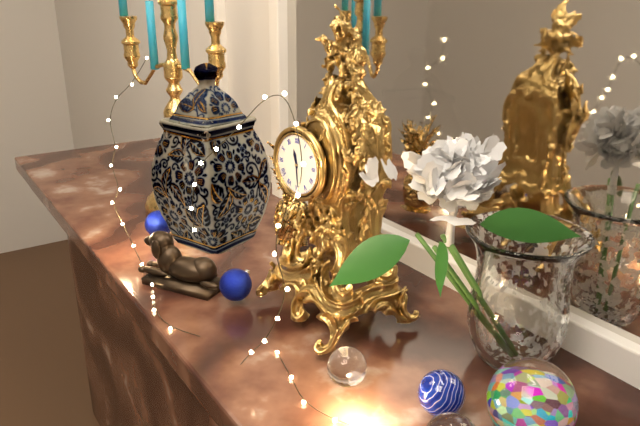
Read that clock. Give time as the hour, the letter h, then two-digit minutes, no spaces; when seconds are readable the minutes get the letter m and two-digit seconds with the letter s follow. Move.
11h29
